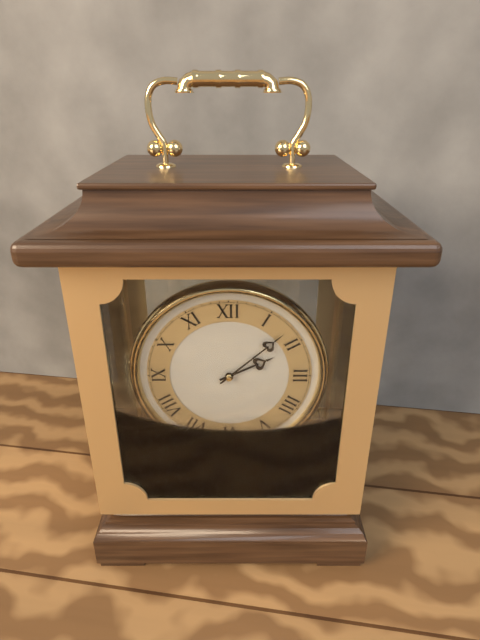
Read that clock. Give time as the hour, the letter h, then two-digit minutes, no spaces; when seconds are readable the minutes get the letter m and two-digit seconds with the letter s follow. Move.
2h08
